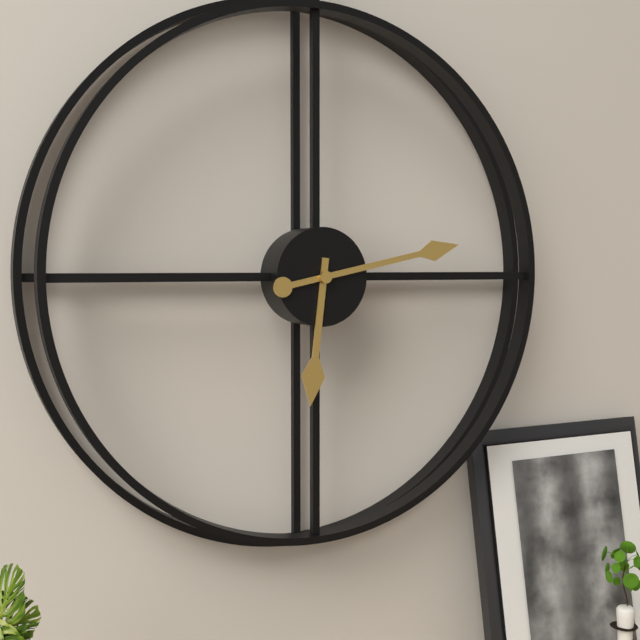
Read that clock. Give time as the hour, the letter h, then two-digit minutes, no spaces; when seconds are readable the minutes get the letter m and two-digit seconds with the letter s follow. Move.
6h13
